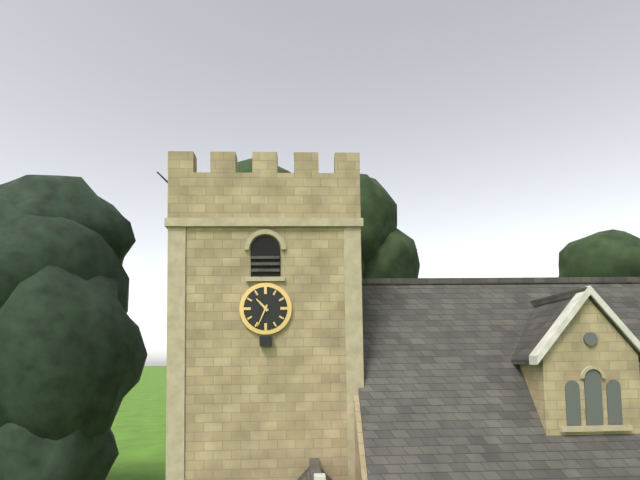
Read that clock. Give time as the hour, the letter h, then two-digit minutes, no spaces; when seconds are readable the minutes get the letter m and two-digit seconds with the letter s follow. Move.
10h34
